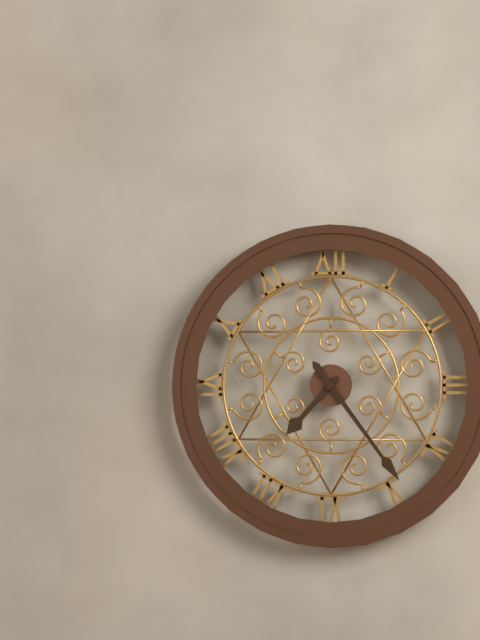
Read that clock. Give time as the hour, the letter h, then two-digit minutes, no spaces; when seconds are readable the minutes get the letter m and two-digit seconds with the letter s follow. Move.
7h24
